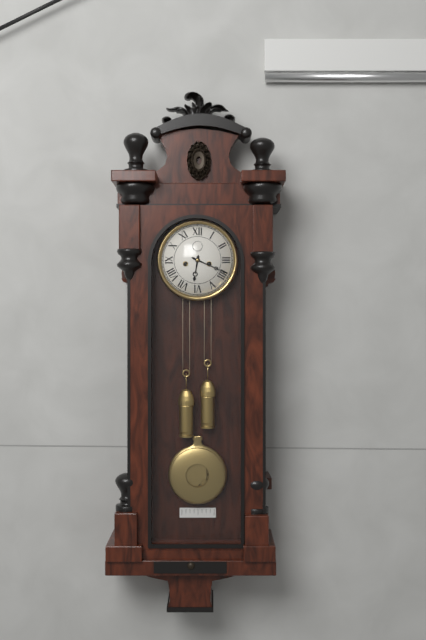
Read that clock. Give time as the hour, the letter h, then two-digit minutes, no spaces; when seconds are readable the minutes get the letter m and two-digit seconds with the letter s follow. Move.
6h19
